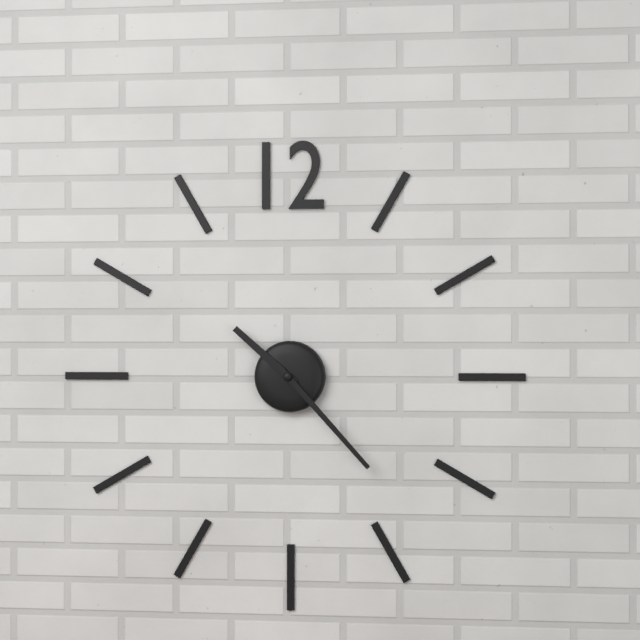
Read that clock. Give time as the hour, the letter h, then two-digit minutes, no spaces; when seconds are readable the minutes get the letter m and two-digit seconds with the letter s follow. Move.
10h23
